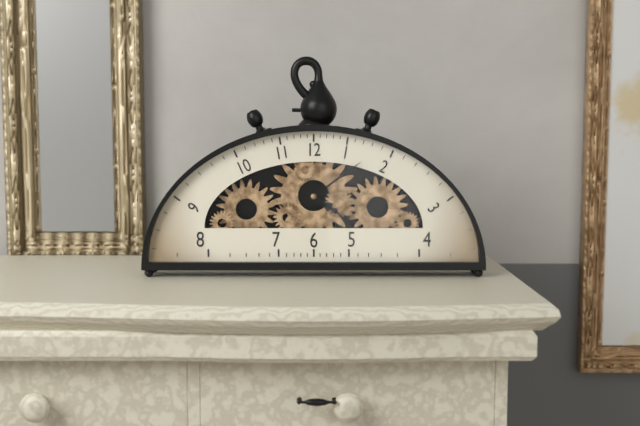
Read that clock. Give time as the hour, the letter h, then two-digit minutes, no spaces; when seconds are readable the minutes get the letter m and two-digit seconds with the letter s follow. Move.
4h09
